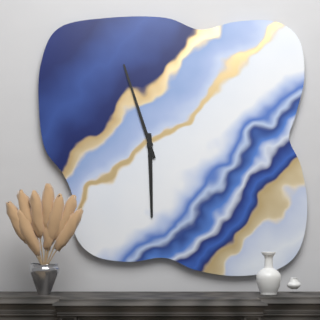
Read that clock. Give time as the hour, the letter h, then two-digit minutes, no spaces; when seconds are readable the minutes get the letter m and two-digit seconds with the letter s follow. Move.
5h57
